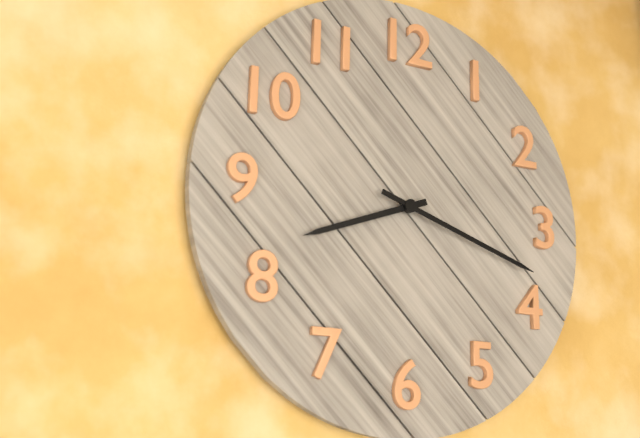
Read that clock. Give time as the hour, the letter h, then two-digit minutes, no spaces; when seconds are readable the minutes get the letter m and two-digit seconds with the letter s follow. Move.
8h18
